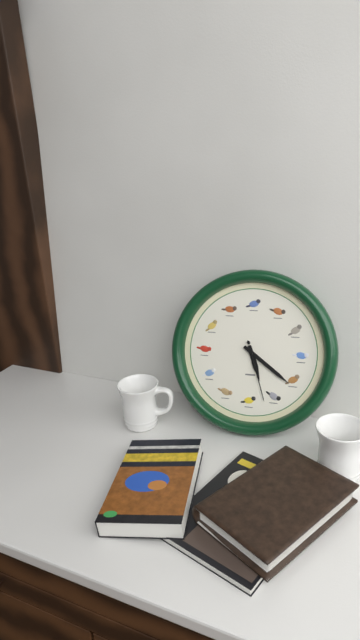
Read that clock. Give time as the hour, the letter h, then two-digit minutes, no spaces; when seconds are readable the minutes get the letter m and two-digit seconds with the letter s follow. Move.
5h21m27s
